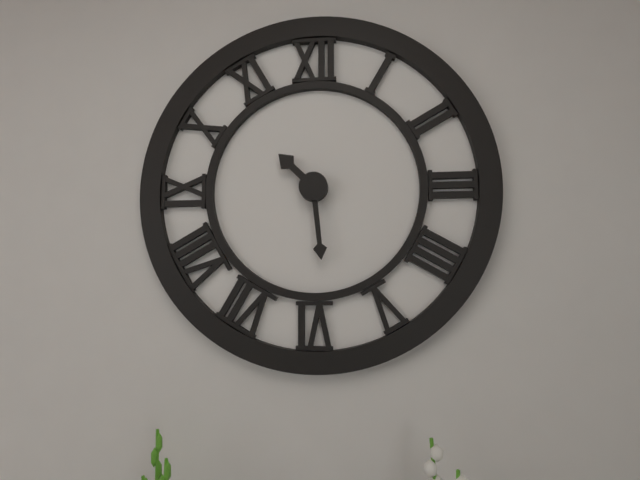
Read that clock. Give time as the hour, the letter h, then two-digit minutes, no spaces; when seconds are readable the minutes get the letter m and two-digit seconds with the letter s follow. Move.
10h29
